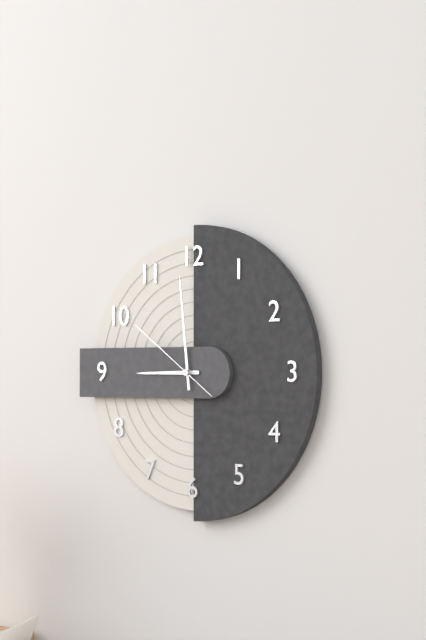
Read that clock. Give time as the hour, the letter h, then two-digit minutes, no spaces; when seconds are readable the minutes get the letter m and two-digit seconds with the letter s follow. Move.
8h59m51s
